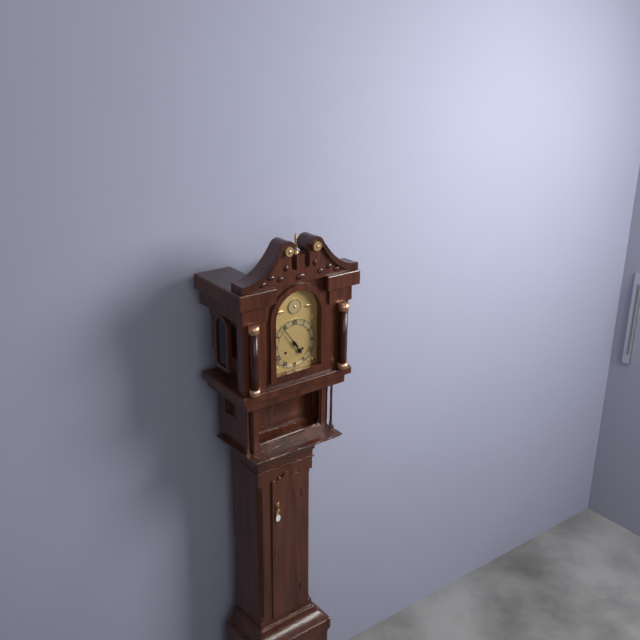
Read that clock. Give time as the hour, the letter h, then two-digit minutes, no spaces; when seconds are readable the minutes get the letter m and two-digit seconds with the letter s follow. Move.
4h54
